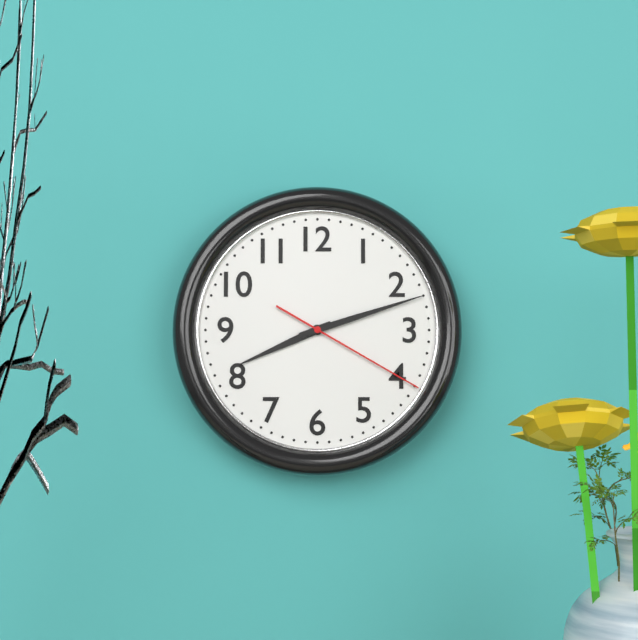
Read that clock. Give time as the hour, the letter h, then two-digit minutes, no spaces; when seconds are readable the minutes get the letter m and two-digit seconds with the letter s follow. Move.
8h12m20s
